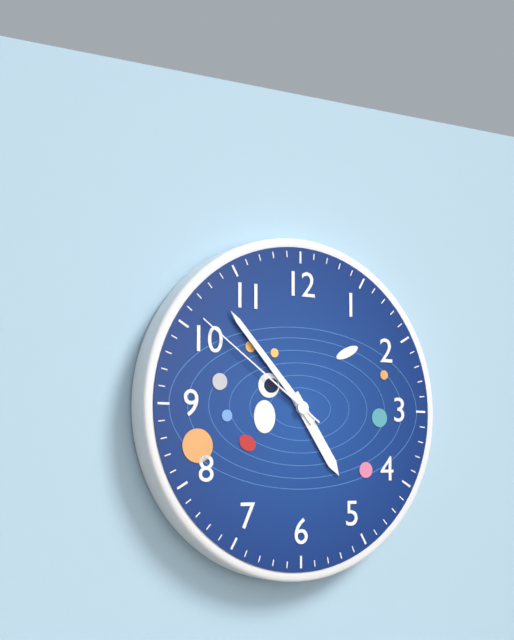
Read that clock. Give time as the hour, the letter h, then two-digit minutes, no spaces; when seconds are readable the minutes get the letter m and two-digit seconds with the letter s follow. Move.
4h53m51s
